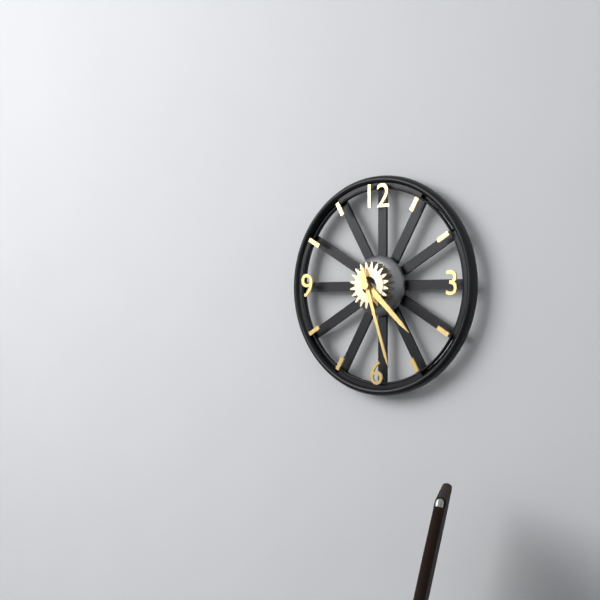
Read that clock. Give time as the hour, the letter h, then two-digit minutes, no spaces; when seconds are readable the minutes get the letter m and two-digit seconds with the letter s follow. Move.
4h27
